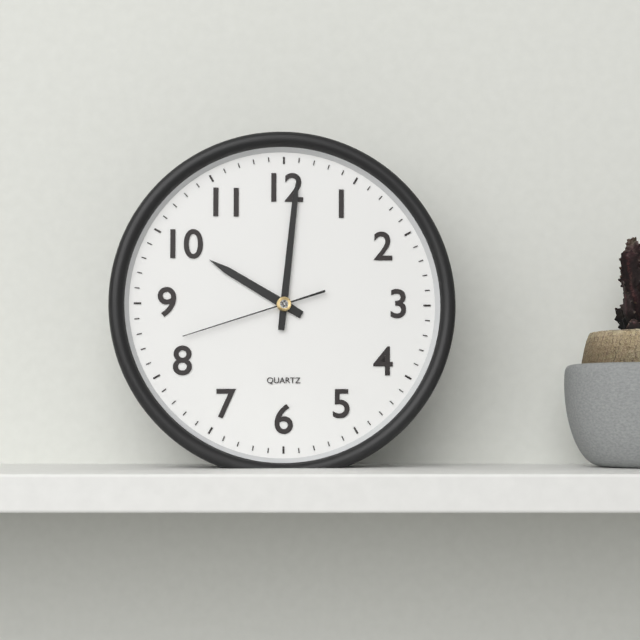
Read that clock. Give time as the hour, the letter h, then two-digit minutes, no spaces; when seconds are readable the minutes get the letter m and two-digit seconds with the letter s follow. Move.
10h01m42s
